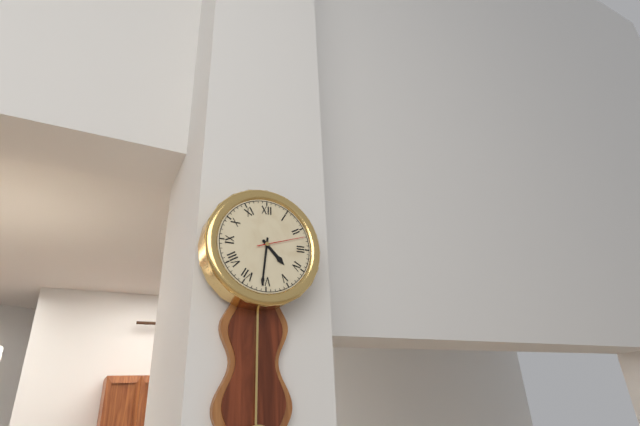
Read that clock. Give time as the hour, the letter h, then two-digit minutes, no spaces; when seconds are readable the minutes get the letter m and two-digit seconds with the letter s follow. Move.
4h31
